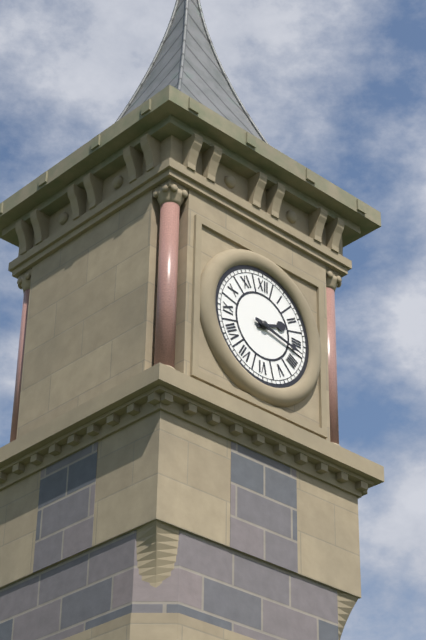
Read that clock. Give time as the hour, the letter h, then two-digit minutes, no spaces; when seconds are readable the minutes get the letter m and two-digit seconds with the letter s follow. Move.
2h17
